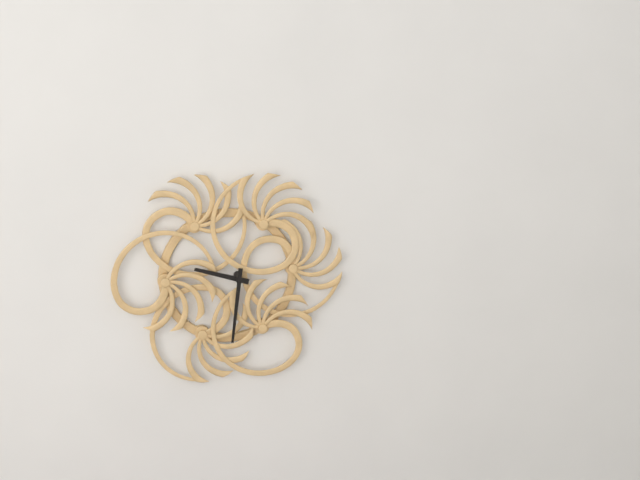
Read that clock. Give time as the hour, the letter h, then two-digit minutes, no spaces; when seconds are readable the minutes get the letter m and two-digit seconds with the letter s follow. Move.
9h31
